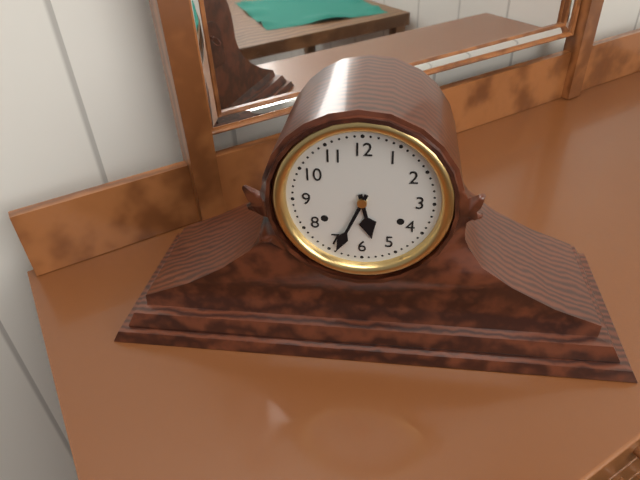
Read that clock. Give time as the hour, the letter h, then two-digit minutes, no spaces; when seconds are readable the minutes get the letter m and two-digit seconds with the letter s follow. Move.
5h34
